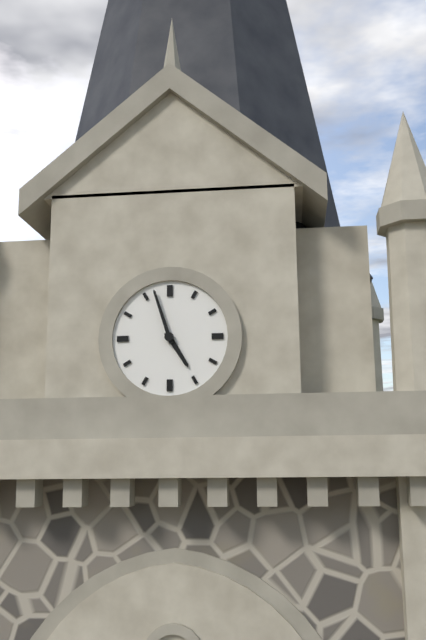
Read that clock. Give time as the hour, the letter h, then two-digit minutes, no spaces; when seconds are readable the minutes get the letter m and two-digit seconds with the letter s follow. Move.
4h57
